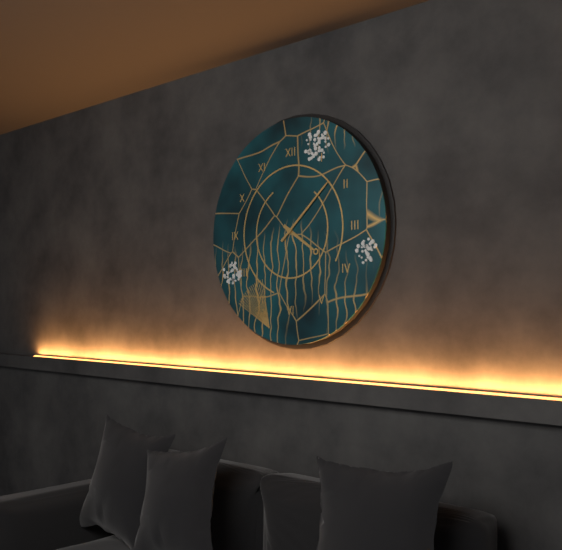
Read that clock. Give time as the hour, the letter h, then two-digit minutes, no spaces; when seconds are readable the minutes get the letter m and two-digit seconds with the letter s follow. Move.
4h08
